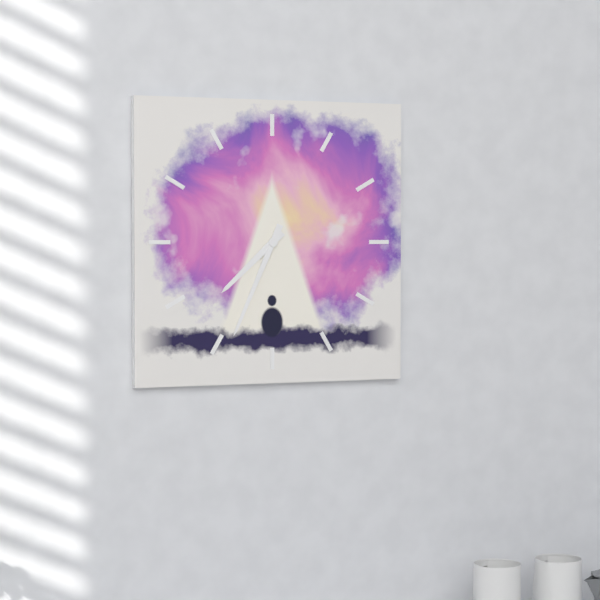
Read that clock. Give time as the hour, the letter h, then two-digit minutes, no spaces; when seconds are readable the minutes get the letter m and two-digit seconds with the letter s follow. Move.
7h34
